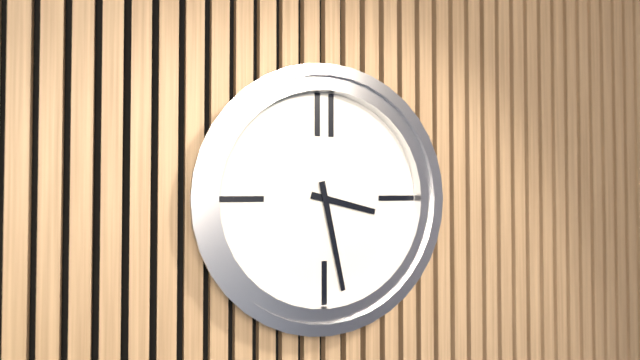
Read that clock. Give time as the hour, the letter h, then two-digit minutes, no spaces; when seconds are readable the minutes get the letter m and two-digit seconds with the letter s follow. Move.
3h28
